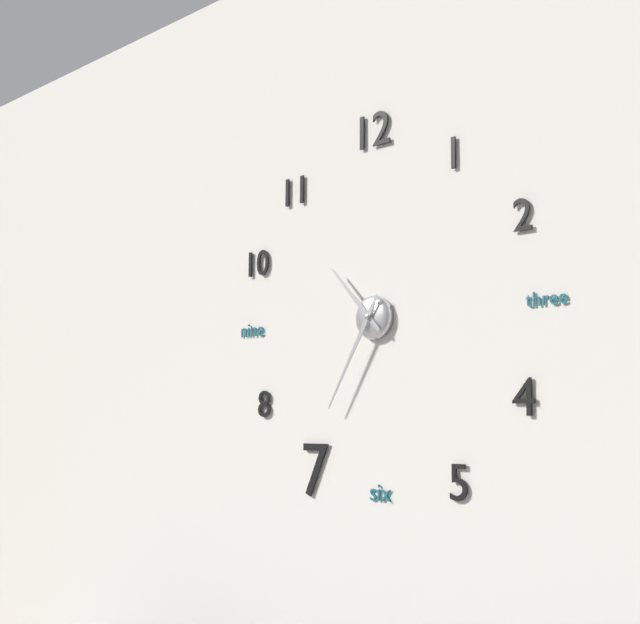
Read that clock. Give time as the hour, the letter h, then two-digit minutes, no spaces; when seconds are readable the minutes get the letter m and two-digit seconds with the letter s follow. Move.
10h35
